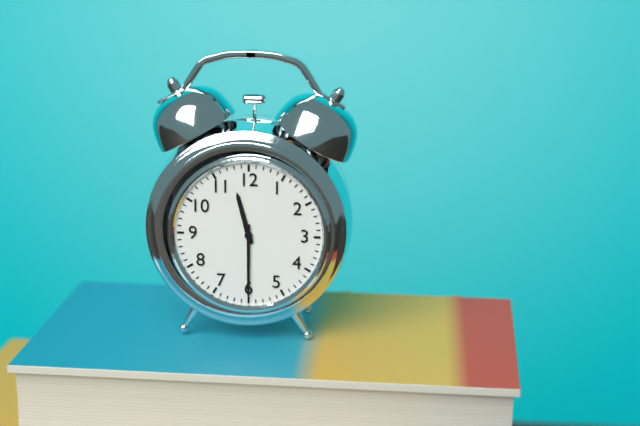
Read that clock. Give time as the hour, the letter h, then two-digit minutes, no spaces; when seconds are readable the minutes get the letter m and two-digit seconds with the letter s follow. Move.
11h30
